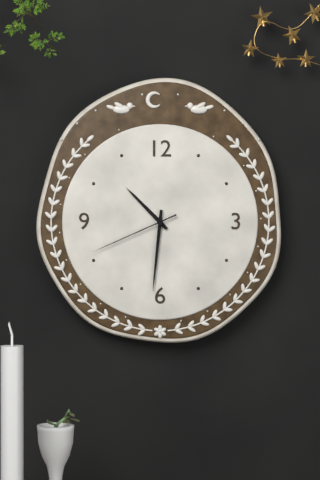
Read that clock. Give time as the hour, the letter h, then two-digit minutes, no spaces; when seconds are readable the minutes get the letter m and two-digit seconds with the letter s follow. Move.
10h31m41s
